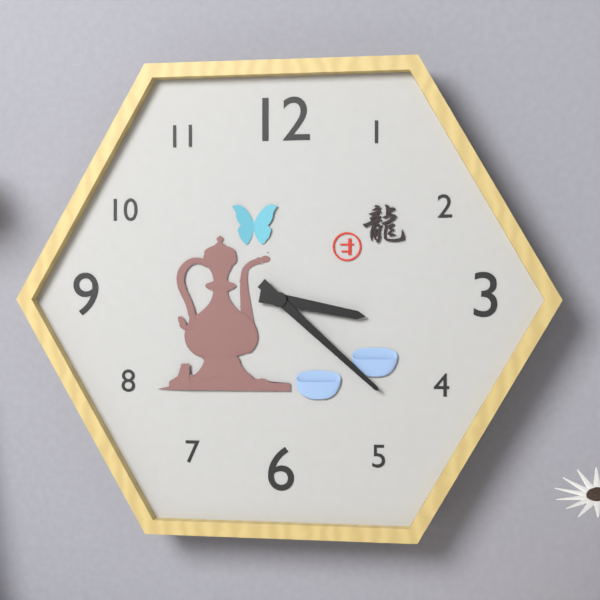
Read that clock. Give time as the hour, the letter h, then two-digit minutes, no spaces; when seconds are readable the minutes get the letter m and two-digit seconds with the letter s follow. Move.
3h22
